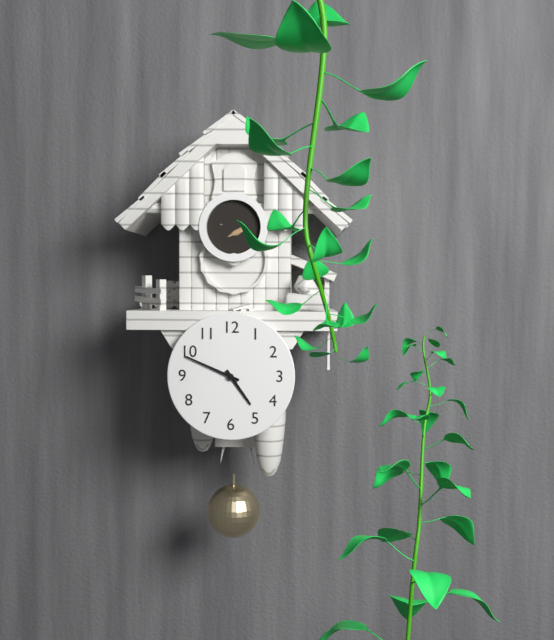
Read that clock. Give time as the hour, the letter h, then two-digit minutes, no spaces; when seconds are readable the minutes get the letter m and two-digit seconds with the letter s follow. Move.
4h49
